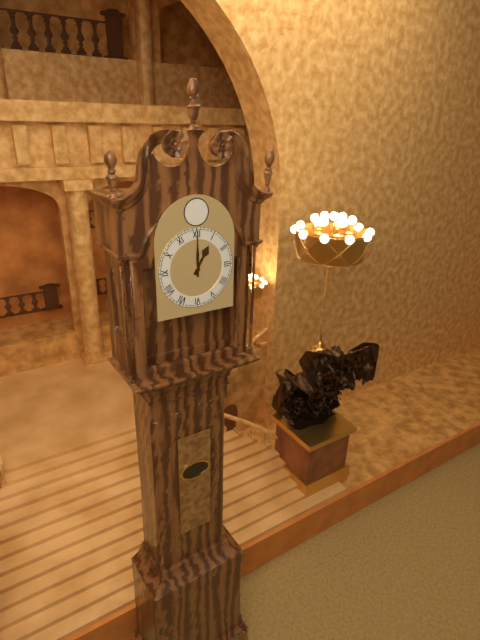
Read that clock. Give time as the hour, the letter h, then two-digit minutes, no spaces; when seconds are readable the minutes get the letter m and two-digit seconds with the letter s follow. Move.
1h00
